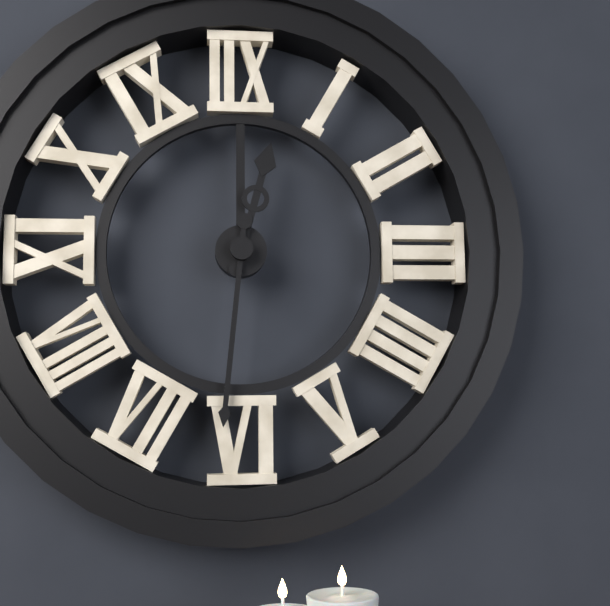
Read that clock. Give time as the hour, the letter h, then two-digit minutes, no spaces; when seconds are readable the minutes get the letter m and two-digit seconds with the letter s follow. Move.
12h31
